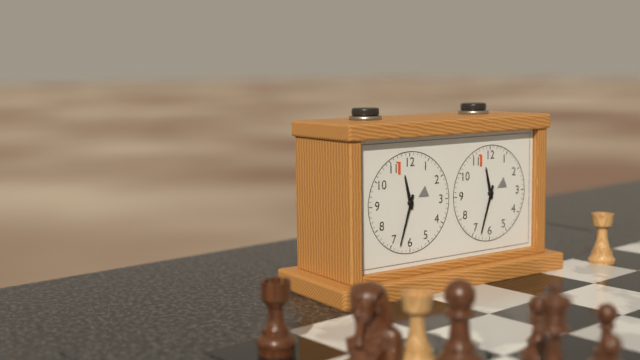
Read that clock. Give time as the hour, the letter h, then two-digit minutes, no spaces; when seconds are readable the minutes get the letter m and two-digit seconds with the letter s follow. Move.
11h33
